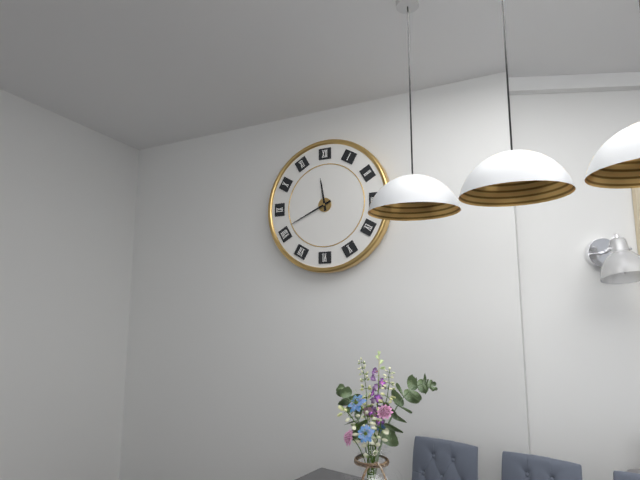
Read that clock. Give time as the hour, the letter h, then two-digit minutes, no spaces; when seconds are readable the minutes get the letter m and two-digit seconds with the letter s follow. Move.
11h41
